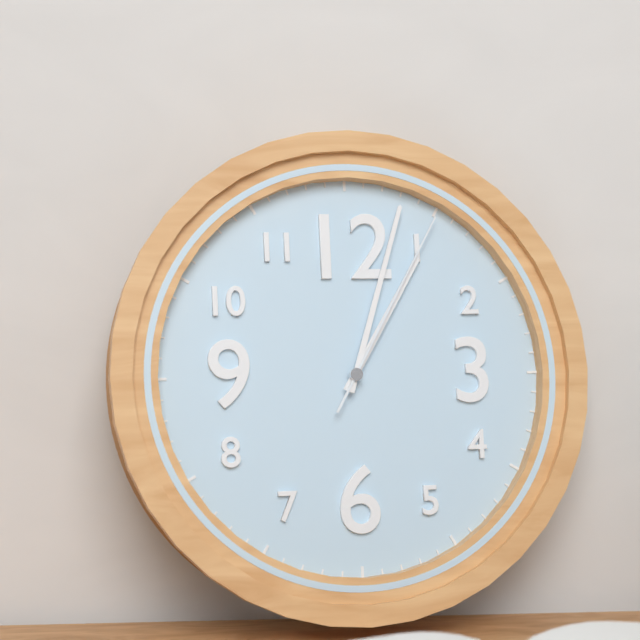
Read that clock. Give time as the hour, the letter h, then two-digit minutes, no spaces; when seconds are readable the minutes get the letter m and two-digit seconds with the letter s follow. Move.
1h03m05s
